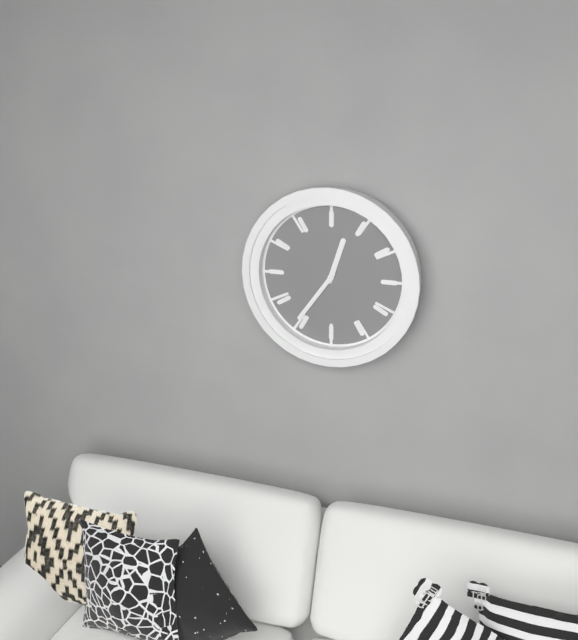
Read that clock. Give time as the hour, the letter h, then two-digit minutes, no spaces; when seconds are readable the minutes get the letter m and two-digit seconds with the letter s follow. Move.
12h36
